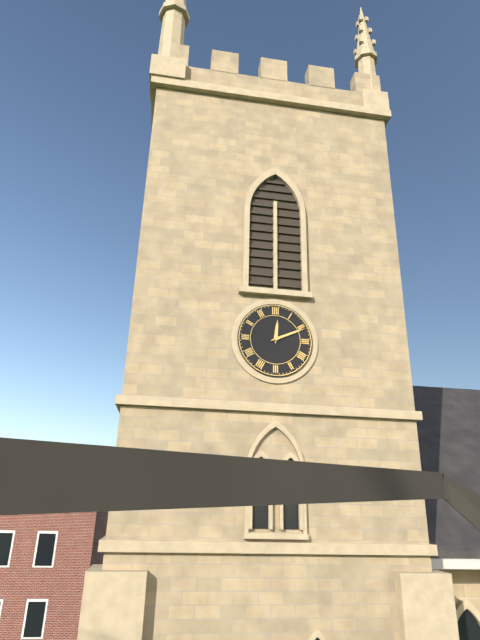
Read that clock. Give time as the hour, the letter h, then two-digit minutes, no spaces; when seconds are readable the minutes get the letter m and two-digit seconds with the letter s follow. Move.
12h11
